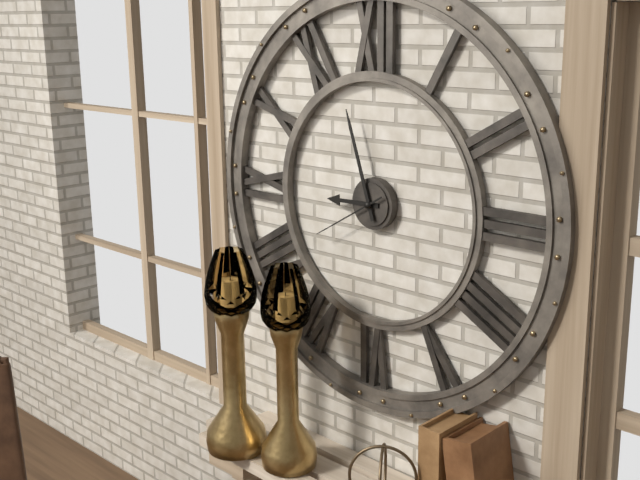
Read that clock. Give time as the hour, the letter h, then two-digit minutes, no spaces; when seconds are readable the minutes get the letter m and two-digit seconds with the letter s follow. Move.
8h57m40s
